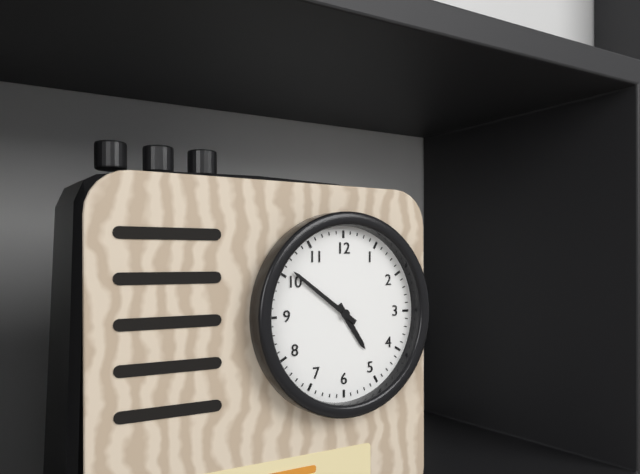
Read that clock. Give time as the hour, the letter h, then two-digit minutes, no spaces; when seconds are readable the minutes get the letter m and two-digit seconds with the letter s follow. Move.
4h51
